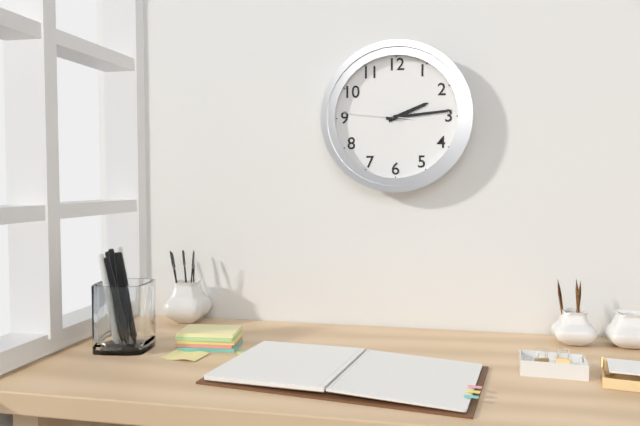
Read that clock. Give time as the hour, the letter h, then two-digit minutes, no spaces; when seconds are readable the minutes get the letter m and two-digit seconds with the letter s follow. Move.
2h14m46s
